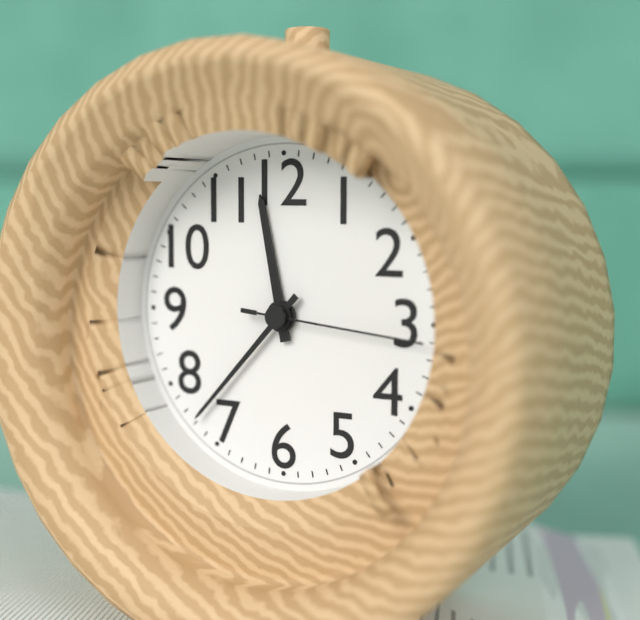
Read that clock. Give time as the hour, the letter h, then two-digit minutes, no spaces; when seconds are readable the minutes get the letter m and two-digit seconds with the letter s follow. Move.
11h37m16s
